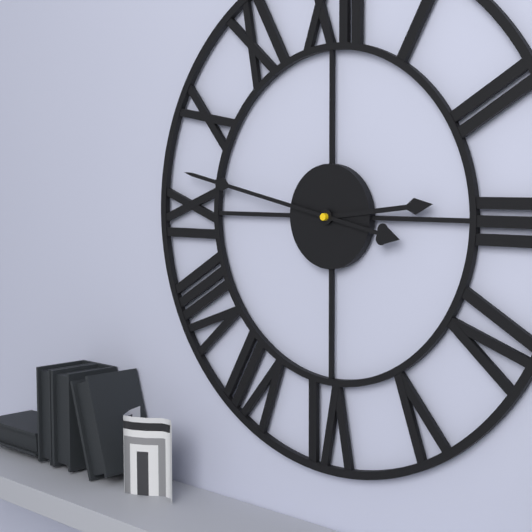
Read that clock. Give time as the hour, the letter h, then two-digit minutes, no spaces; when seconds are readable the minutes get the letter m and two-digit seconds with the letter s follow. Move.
2h47
